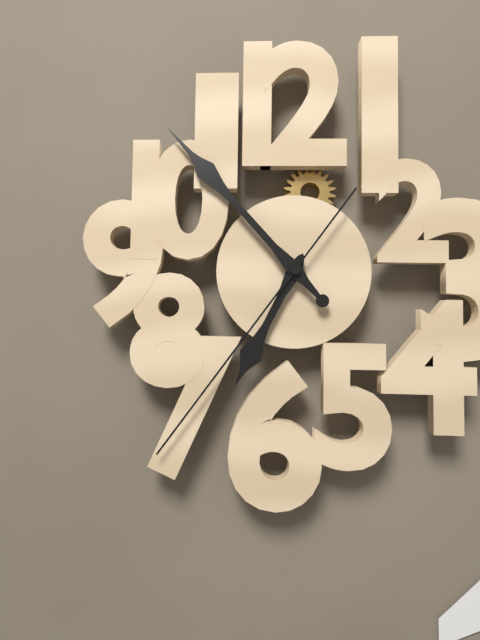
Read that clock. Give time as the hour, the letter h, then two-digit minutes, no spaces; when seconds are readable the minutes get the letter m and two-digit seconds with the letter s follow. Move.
6h53m36s
